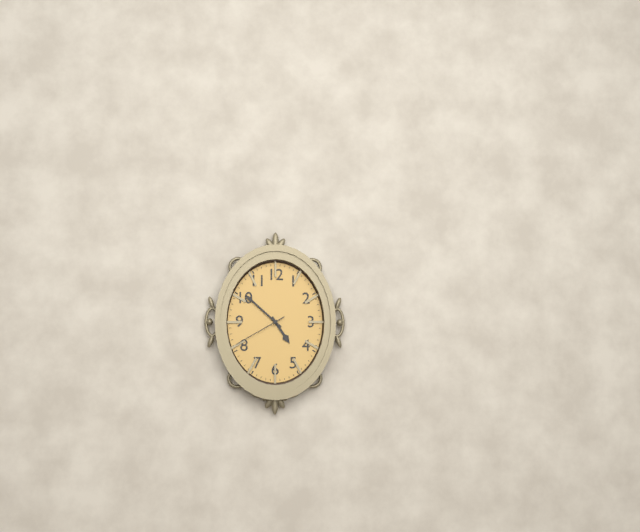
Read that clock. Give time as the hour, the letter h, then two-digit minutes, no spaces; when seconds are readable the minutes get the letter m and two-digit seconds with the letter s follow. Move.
4h52m40s
